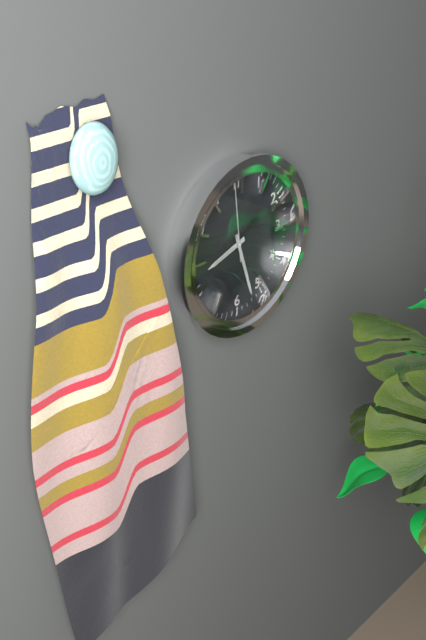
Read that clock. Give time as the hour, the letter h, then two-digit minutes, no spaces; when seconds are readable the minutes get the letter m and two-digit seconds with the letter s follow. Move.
8h27m59s
